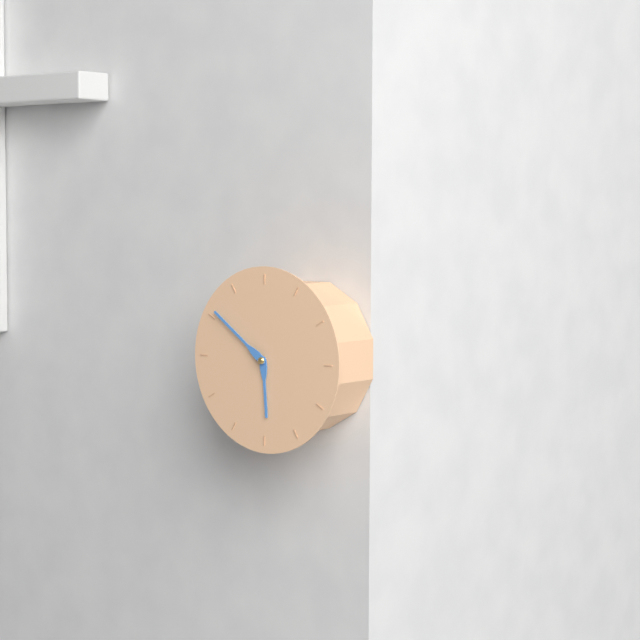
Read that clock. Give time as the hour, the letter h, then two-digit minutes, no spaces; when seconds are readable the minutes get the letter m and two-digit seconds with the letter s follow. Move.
5h51
